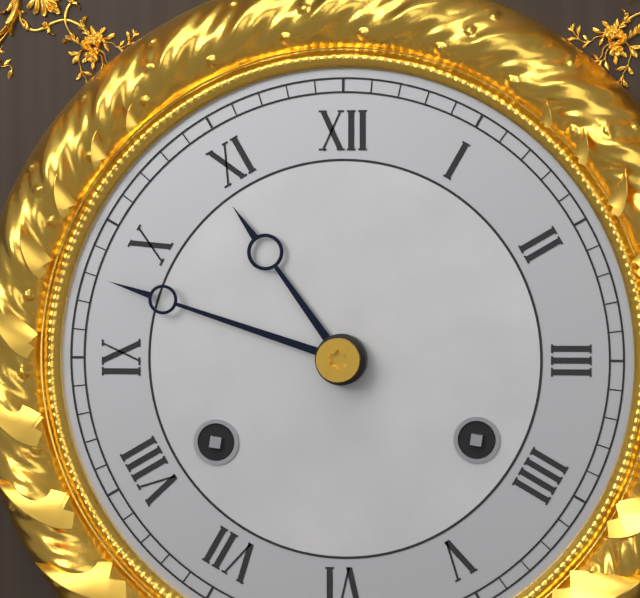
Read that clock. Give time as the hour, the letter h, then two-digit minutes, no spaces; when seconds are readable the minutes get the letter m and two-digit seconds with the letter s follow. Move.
10h48
